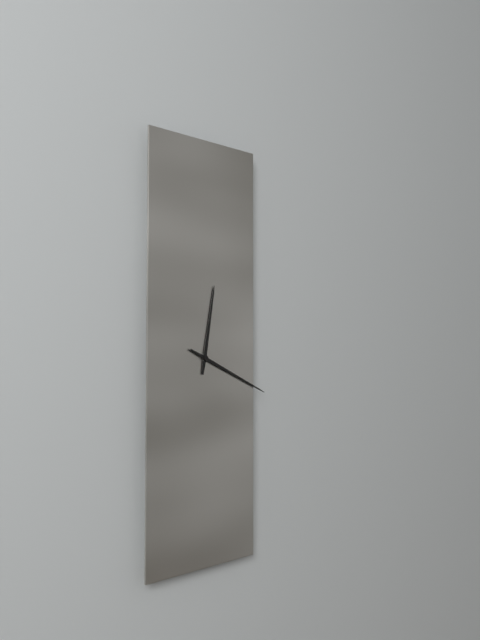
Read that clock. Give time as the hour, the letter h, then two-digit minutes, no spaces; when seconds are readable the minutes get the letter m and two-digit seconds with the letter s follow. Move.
12h19
